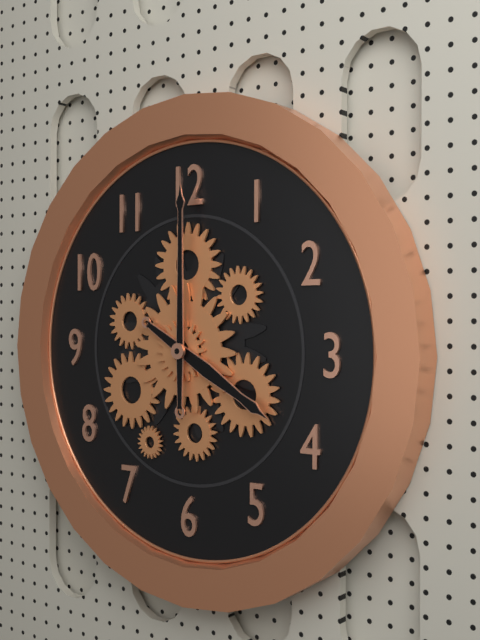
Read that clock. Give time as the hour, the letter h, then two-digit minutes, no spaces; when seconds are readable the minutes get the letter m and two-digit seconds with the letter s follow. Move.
4h00
